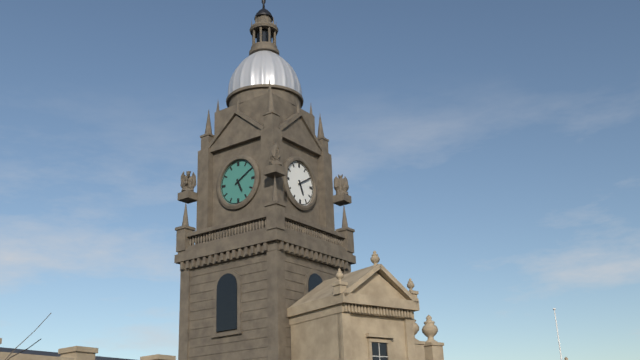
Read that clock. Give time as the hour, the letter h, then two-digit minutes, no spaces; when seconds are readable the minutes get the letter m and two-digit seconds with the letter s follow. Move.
5h10
